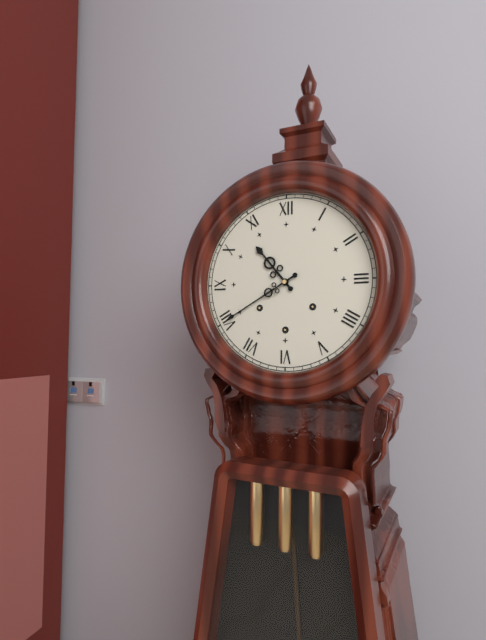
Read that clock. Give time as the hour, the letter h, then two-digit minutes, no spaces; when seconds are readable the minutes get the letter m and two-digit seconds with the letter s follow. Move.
10h40
